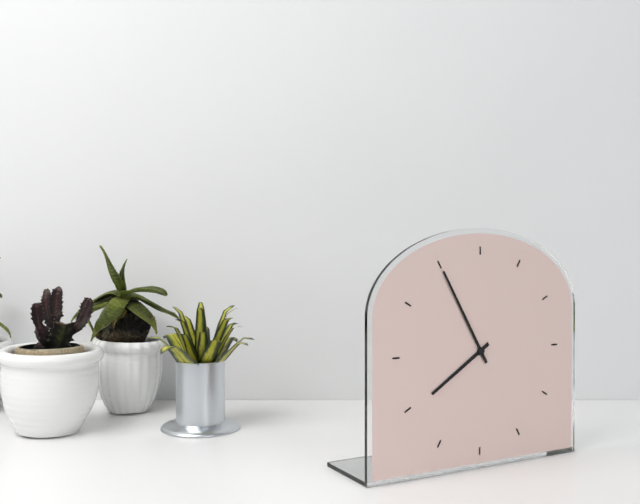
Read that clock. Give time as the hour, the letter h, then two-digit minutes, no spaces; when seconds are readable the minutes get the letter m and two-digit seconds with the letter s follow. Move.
7h55
